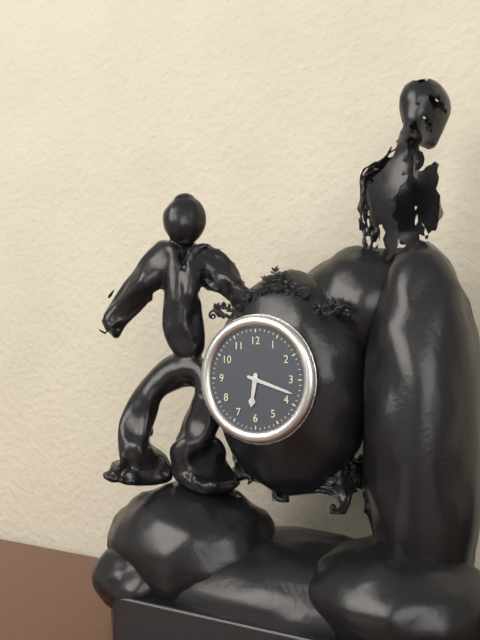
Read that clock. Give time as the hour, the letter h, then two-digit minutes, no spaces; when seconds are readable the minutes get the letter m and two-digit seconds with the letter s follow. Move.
6h18
